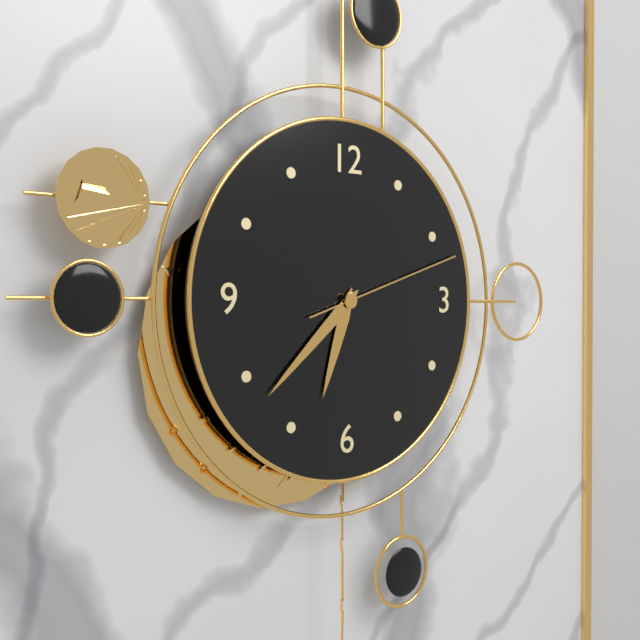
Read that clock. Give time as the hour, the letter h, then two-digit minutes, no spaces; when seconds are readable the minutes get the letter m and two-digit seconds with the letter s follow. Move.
6h38m12s
